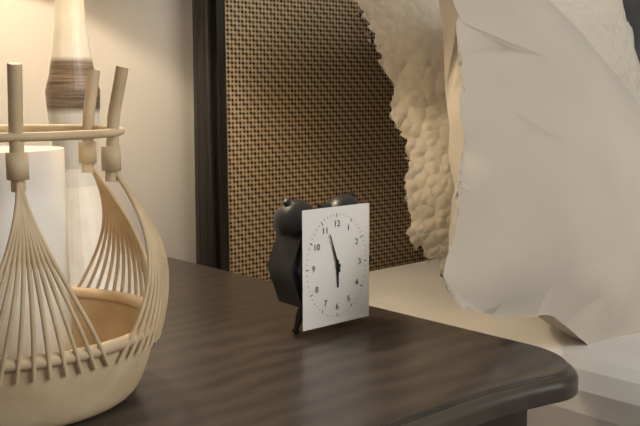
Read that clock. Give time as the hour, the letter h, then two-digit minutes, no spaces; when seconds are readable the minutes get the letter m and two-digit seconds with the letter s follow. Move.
5h57
